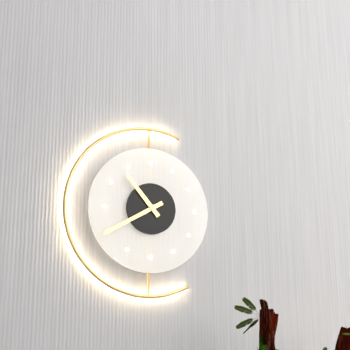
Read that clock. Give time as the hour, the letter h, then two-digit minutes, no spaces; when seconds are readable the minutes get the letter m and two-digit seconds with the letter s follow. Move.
10h40
